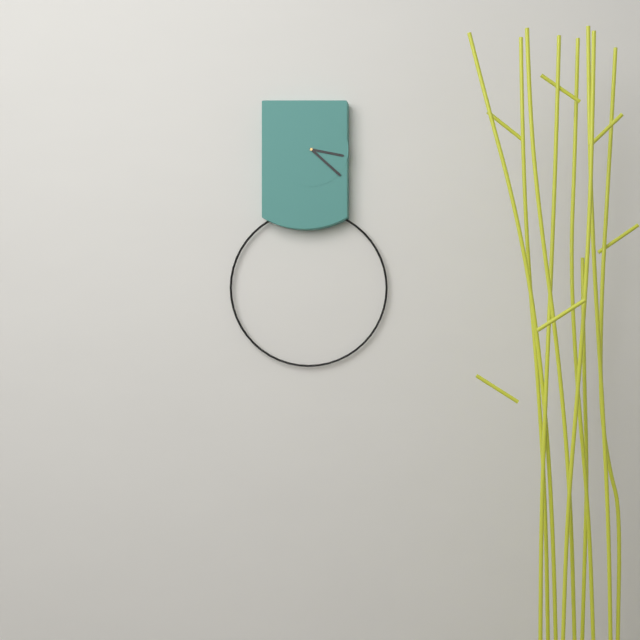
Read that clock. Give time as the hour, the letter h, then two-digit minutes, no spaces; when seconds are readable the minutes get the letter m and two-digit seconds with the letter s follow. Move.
3h22
